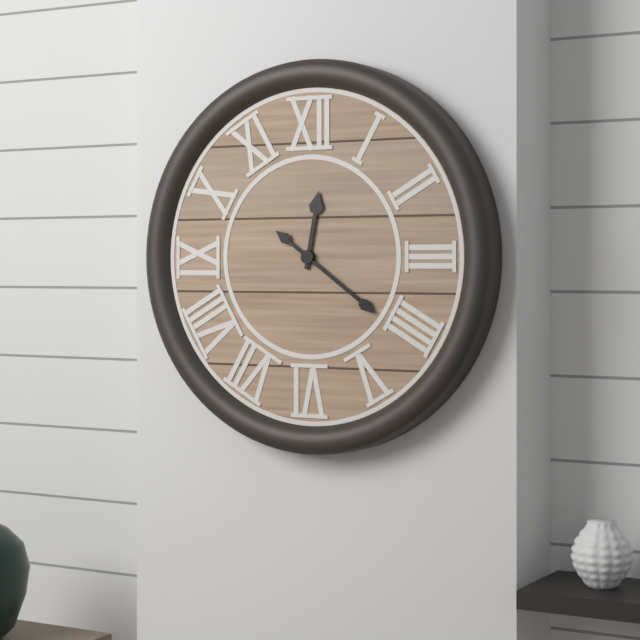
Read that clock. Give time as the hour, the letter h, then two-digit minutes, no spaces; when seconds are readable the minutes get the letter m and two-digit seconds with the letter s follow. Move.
12h21
